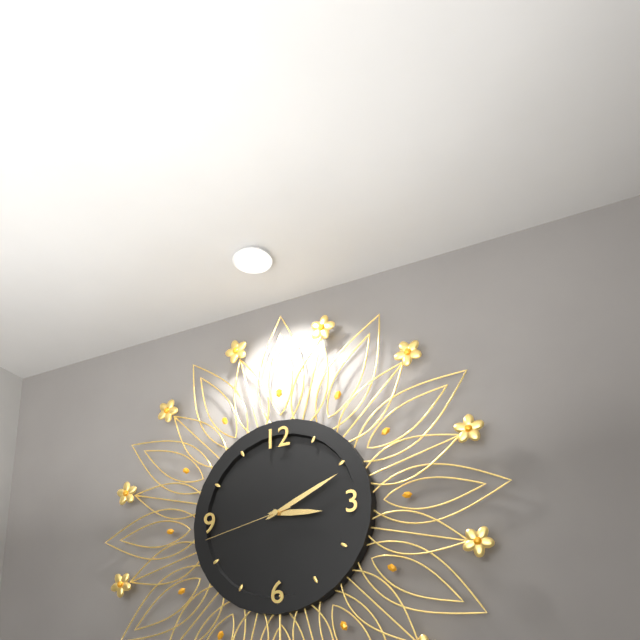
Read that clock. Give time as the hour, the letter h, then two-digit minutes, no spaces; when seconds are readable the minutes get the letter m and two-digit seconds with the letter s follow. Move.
3h11m43s
